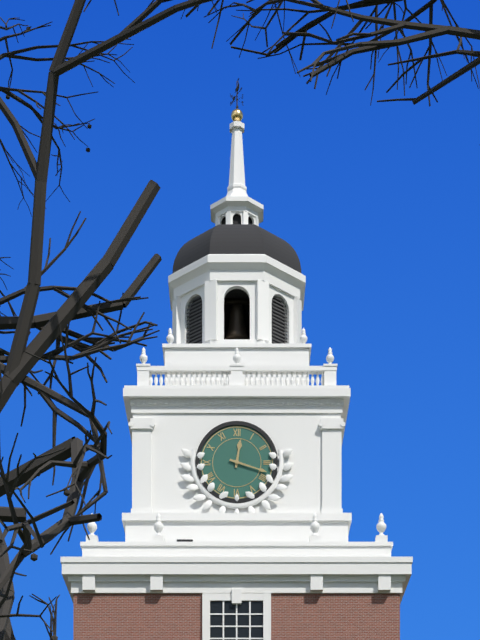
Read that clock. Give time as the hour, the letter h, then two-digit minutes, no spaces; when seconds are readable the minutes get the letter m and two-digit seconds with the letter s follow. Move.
12h18
